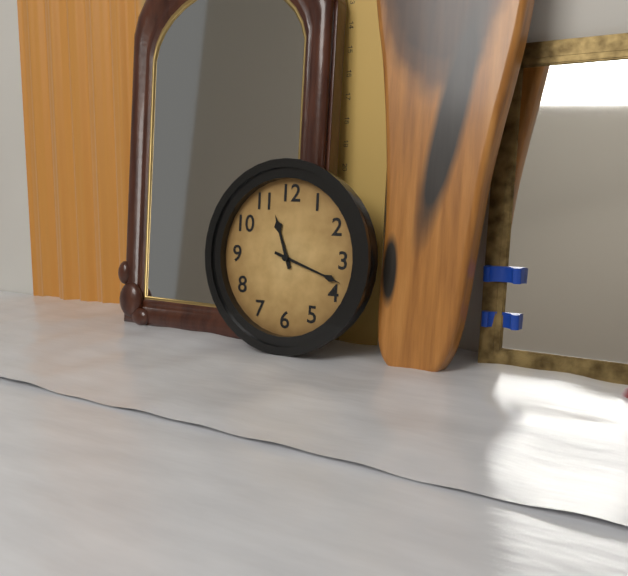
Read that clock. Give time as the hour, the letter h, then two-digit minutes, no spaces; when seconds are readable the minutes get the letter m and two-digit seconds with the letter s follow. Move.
11h18
